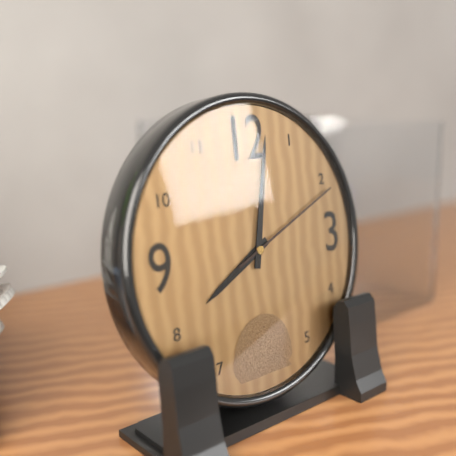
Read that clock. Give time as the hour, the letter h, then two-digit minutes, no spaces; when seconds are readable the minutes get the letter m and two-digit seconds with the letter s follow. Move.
8h02m11s
